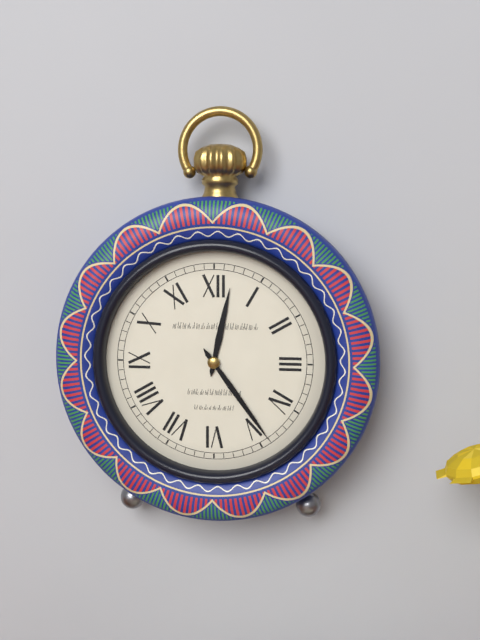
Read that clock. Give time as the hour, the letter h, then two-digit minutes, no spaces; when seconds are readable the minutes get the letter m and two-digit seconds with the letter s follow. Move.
12h24
